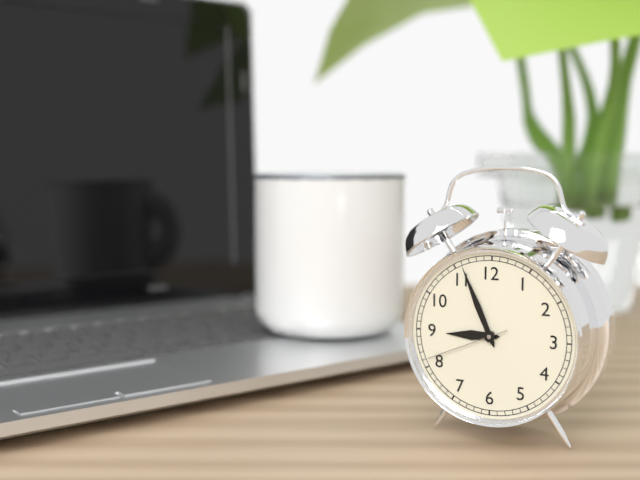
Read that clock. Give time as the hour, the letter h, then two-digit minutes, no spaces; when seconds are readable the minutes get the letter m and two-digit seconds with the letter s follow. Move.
8h56m41s
